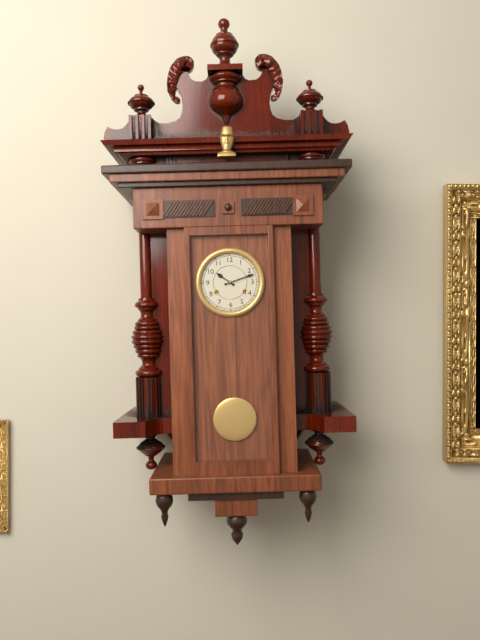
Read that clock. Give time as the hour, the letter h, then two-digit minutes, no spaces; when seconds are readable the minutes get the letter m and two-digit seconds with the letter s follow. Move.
10h12
